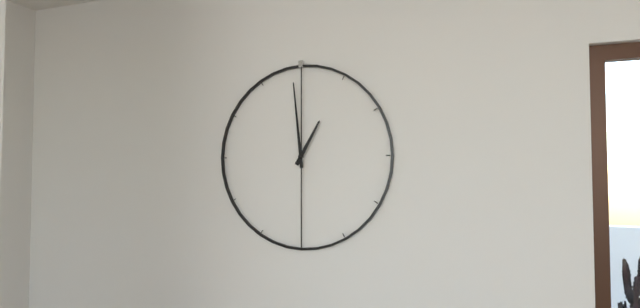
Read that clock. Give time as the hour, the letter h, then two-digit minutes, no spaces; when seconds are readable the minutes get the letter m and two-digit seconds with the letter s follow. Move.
12h59
